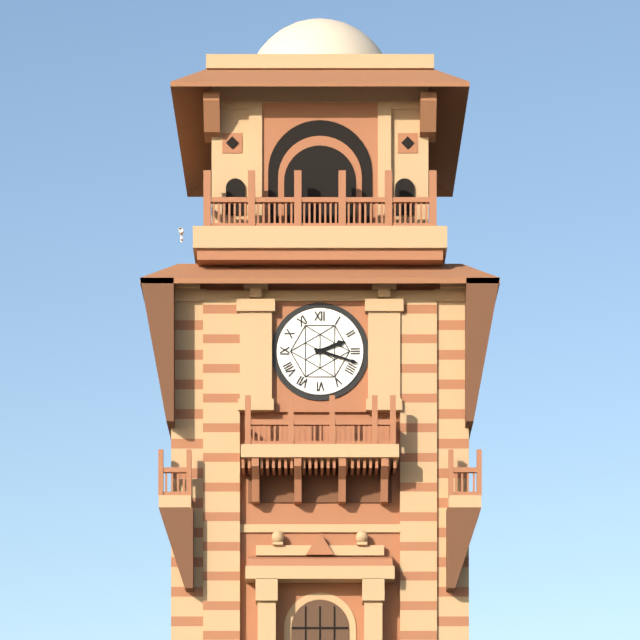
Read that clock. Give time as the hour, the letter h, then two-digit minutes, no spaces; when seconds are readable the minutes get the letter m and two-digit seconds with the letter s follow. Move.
2h18
